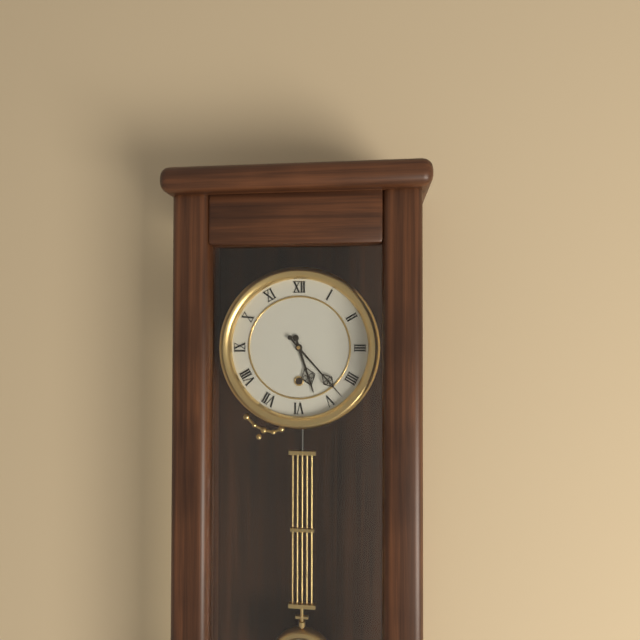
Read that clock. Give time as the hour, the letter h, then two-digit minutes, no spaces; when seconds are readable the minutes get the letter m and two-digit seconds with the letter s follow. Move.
5h23
